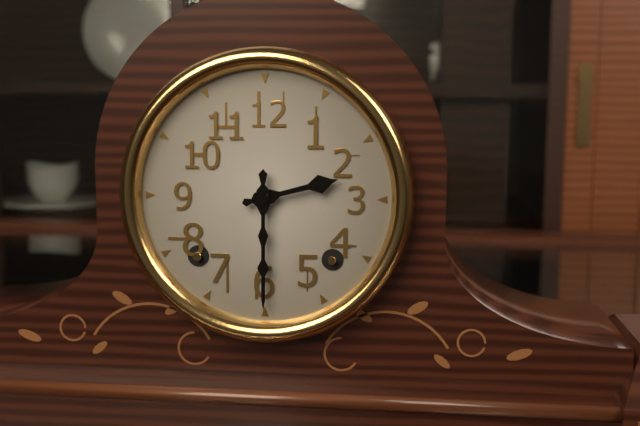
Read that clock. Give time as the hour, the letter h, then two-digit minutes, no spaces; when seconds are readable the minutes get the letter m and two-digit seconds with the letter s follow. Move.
2h30
